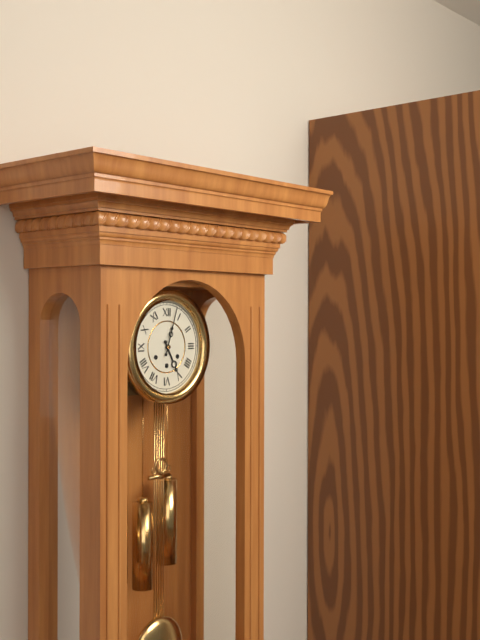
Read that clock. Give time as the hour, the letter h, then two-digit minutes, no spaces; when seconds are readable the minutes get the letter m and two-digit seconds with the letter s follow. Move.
5h03
